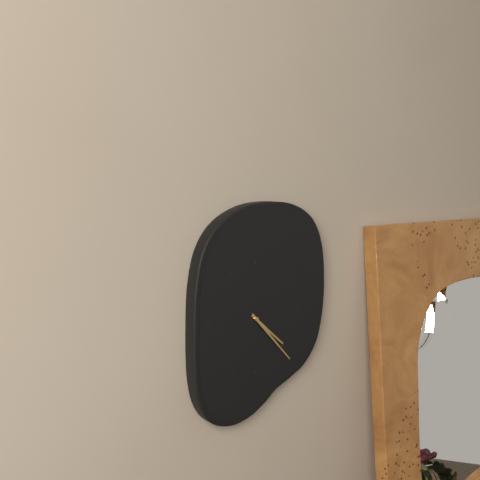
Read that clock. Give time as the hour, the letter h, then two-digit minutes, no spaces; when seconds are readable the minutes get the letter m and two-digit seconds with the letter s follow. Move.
4h23
